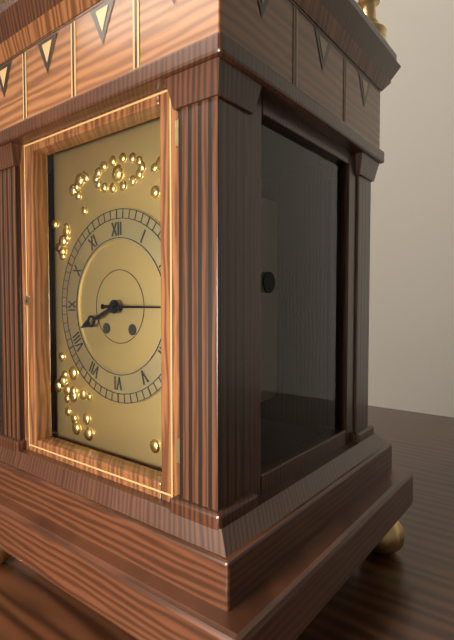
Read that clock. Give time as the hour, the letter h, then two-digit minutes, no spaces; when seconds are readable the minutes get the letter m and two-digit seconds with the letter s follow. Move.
8h15
